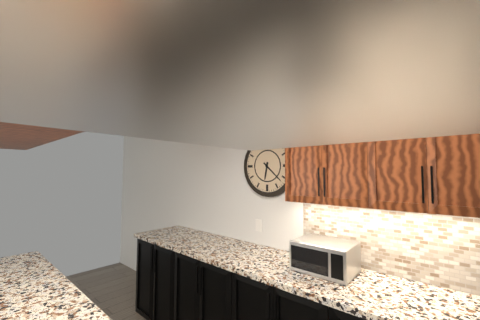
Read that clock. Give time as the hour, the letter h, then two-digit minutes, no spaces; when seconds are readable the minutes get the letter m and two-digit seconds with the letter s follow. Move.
6h22
